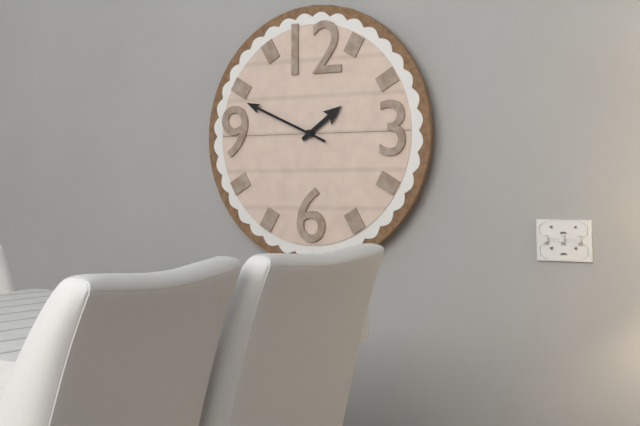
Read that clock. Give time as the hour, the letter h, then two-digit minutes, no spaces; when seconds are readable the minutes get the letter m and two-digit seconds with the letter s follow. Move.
1h49
